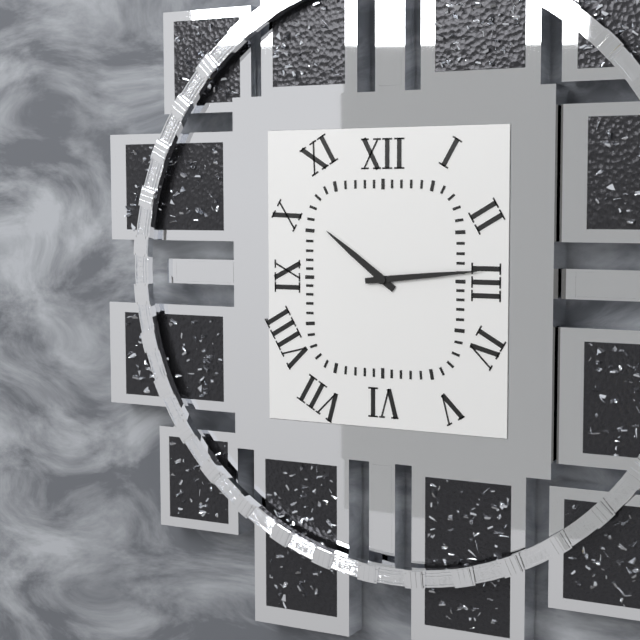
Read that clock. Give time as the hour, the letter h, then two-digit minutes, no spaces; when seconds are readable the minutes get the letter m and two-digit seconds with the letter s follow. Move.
10h14
